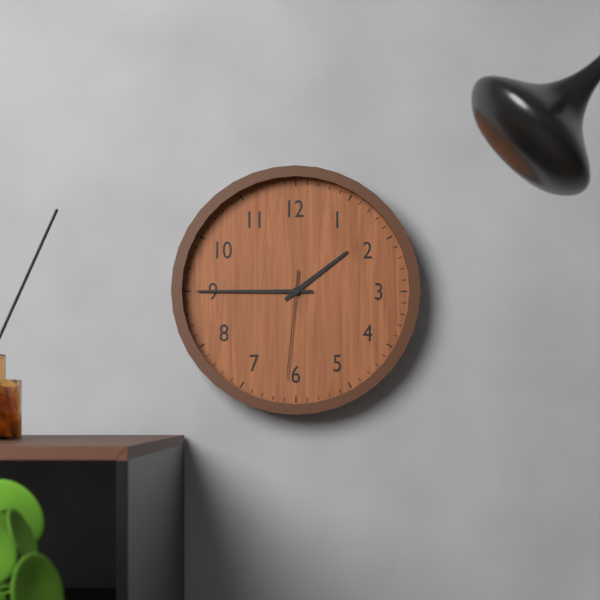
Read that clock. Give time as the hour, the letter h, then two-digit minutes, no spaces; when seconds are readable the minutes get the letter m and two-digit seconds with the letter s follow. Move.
1h45m31s
